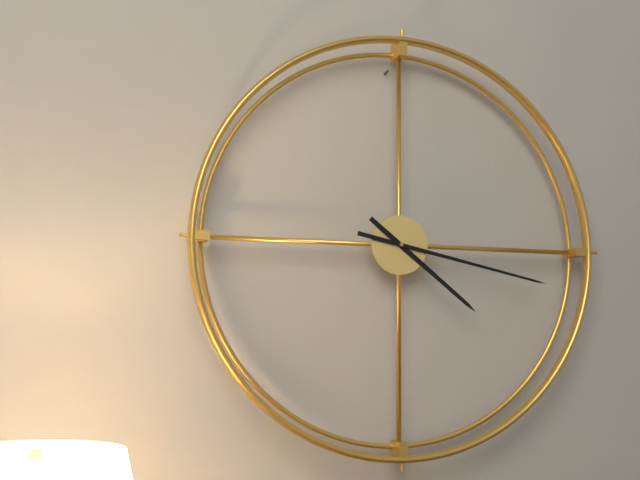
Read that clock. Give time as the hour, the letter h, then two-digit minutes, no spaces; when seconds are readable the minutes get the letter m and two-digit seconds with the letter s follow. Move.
4h17
